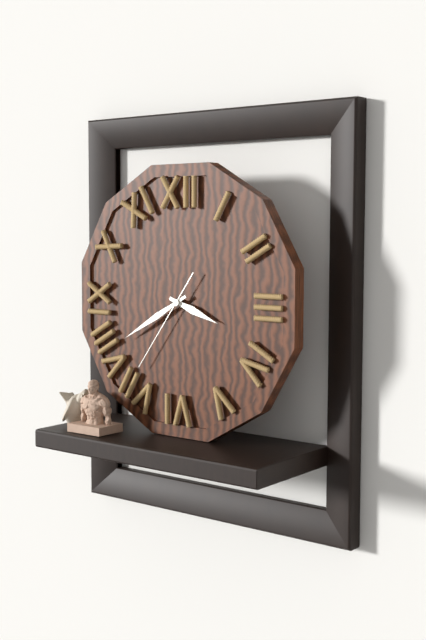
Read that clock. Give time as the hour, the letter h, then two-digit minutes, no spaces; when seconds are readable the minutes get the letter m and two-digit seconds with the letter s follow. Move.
3h40m36s
